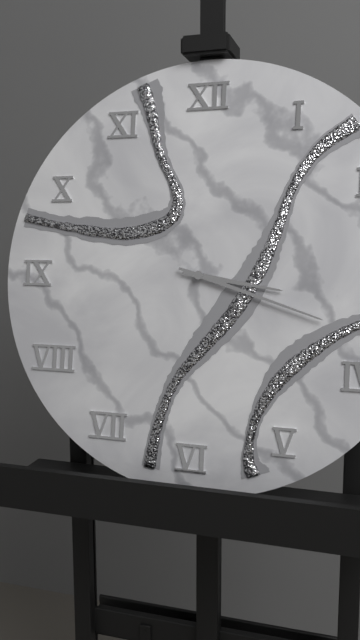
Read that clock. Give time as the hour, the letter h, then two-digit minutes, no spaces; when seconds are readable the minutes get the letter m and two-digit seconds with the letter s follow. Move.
3h18
